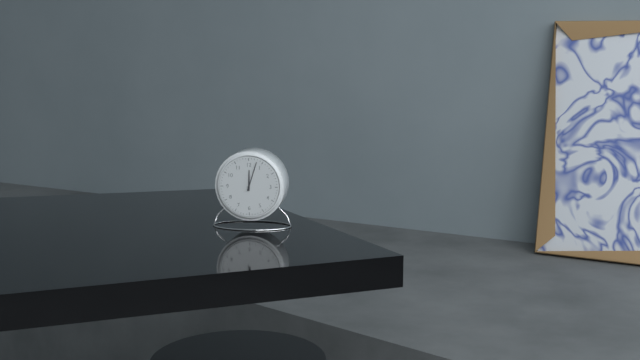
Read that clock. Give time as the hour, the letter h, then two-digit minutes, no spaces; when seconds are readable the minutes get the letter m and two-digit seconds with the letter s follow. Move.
12h03
